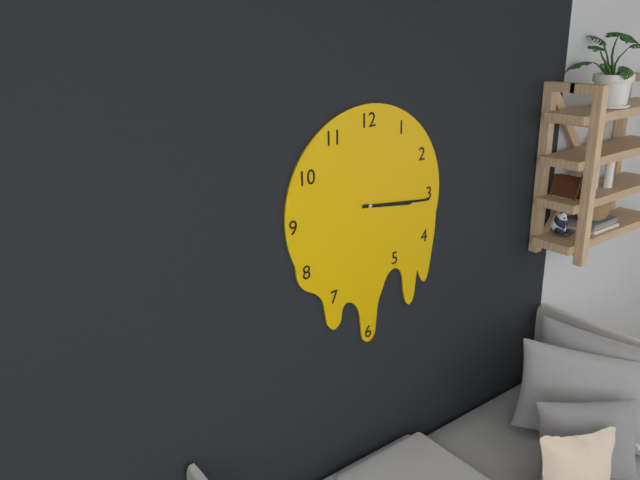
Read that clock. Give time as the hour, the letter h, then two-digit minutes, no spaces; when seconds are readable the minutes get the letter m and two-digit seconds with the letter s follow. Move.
3h16
